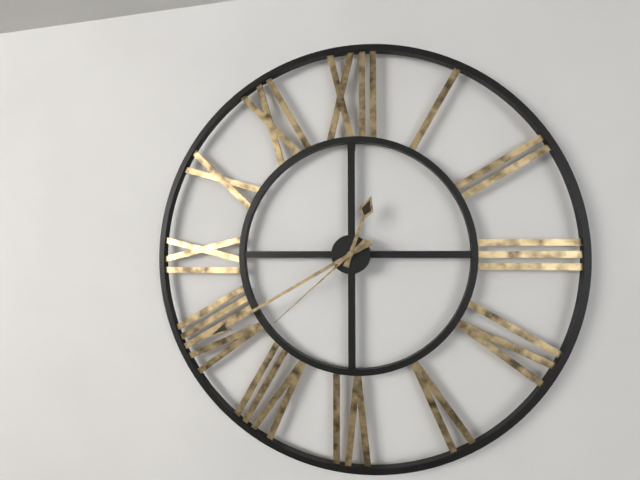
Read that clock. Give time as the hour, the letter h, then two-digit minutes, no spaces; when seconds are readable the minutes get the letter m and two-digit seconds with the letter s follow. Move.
12h40m38s
